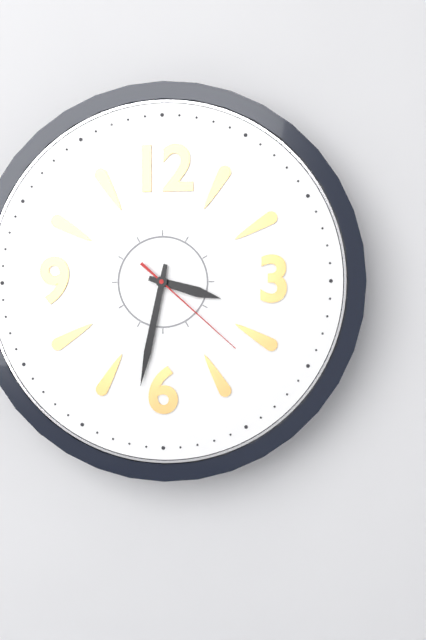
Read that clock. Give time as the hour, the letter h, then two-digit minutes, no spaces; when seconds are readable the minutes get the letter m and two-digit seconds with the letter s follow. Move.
3h32m22s
